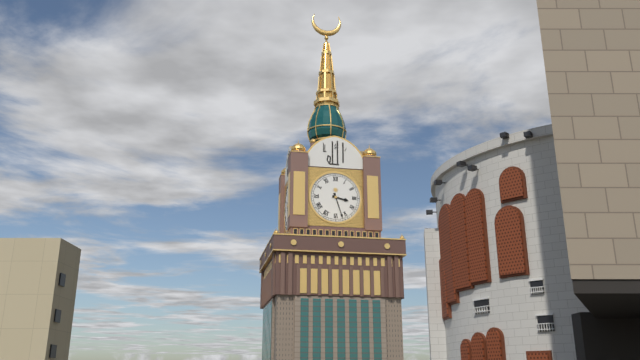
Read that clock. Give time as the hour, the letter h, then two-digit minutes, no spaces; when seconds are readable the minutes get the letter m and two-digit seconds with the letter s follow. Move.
3h27
